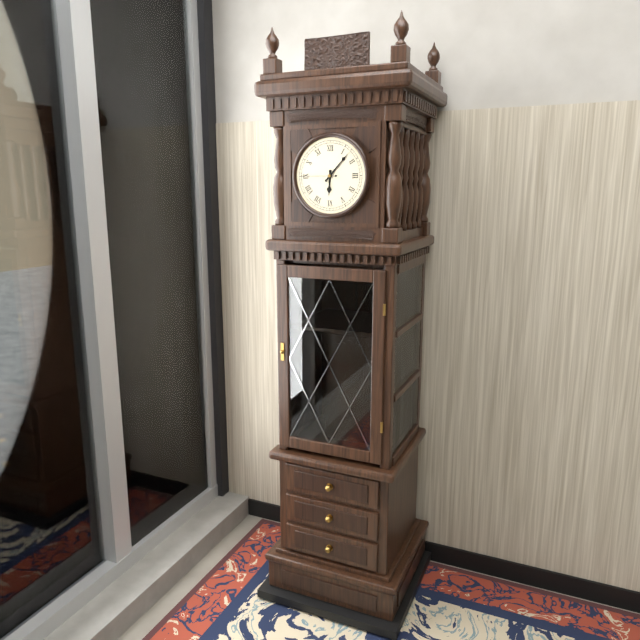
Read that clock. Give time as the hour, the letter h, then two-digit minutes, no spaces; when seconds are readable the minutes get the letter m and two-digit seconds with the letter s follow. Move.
6h07
